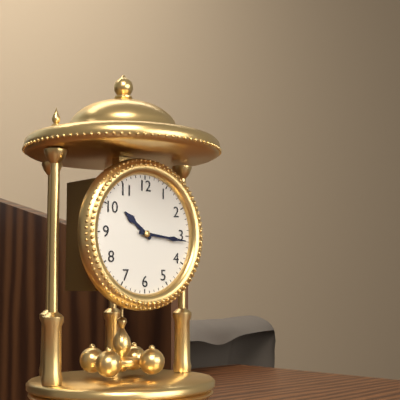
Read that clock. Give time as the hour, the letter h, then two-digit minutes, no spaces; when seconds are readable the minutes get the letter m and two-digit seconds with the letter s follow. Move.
10h16
